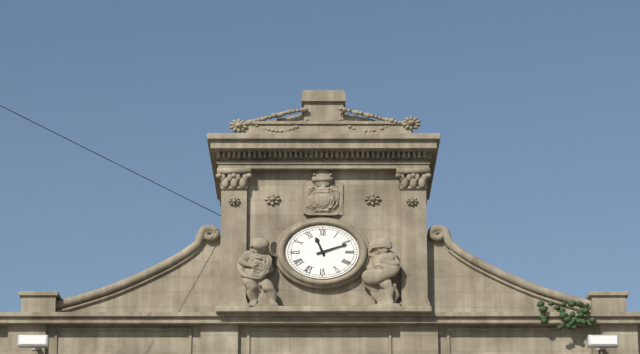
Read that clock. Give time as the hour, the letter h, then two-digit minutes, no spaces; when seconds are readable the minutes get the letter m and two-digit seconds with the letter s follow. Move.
11h12
